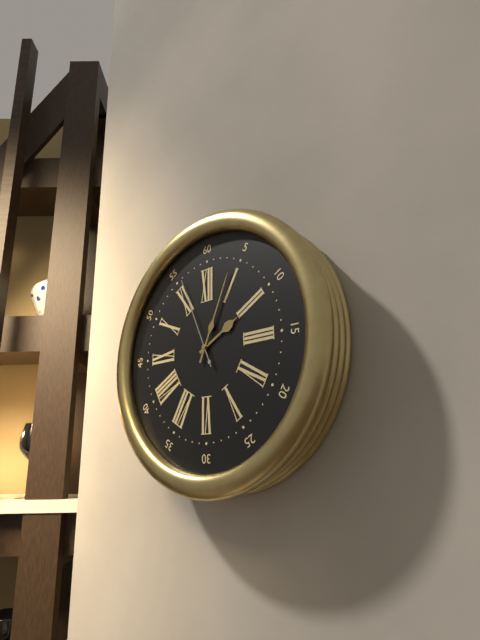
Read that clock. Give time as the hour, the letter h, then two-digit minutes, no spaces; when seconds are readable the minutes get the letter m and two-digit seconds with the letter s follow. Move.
2h04m56s
